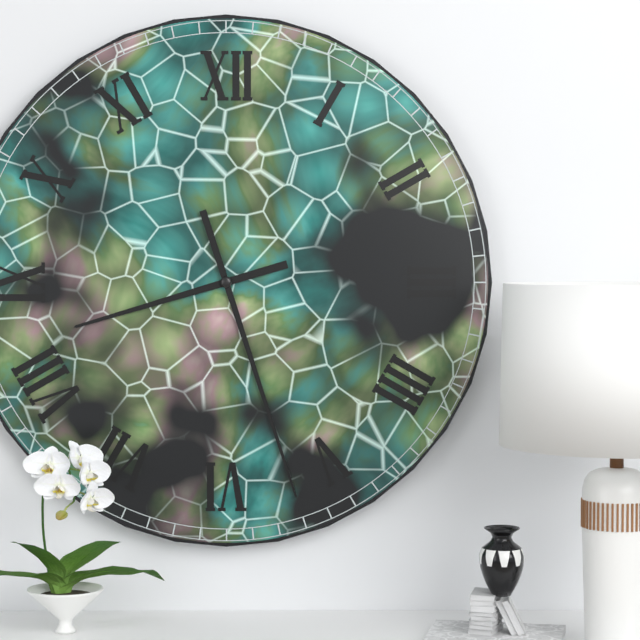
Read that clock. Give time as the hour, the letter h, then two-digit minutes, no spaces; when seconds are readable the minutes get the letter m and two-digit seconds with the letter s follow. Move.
8h27
